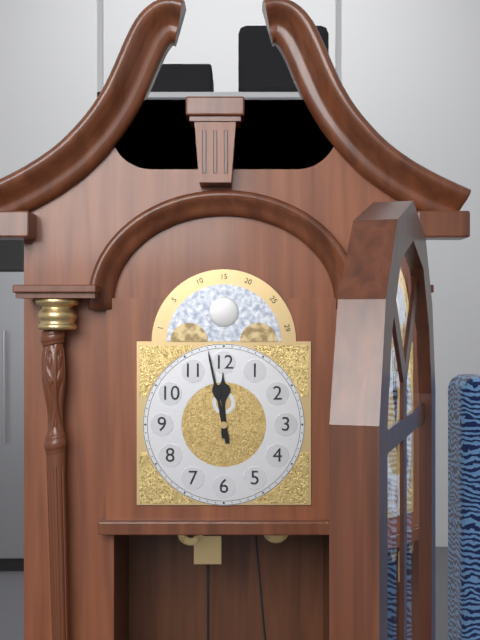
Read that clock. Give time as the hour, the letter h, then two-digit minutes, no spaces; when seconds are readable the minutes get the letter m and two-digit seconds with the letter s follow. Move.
11h58
